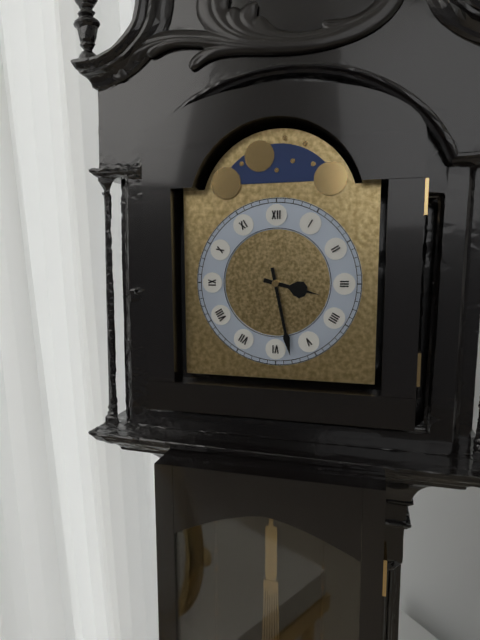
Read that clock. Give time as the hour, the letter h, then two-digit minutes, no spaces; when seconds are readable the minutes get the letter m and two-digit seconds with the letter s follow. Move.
3h28
